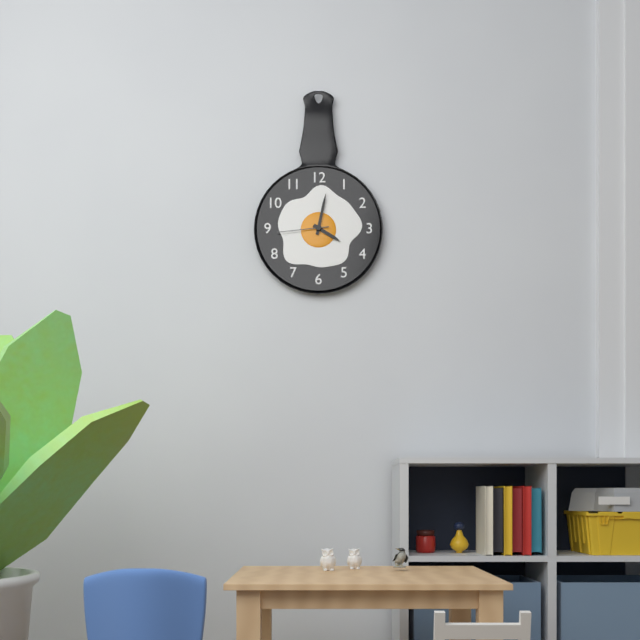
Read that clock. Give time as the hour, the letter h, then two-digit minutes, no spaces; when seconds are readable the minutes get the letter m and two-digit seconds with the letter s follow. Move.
4h02m44s
